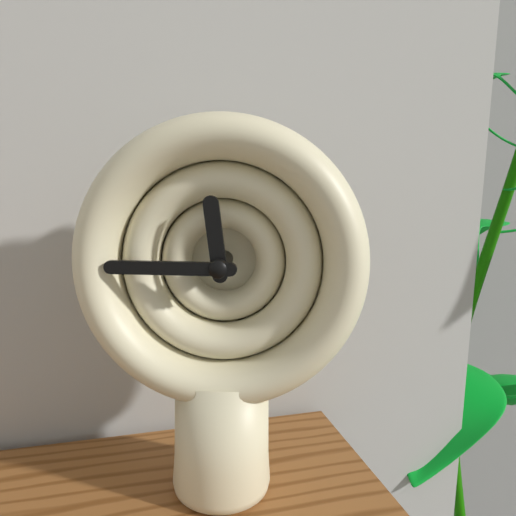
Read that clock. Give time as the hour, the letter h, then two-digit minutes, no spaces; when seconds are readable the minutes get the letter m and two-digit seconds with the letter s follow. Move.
11h45
